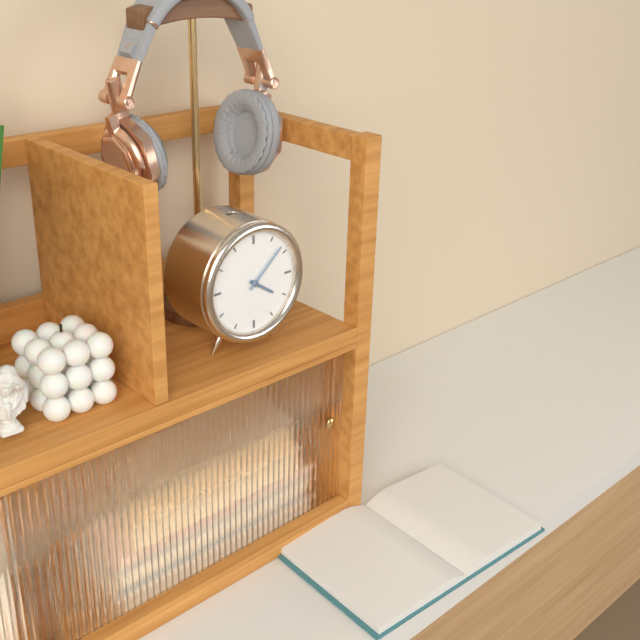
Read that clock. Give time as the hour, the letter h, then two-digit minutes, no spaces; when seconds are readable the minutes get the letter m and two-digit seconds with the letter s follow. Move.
4h08
